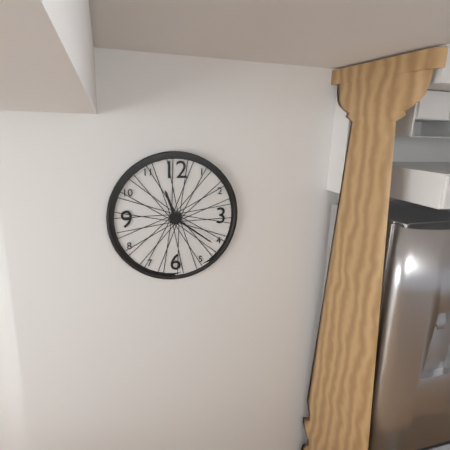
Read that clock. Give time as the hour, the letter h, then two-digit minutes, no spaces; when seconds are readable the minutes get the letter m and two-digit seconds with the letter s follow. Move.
11h21
